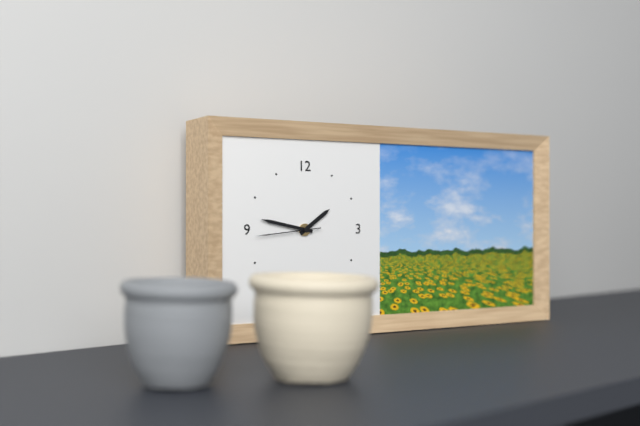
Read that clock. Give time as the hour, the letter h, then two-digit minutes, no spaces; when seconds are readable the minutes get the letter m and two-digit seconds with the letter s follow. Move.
1h47m44s
